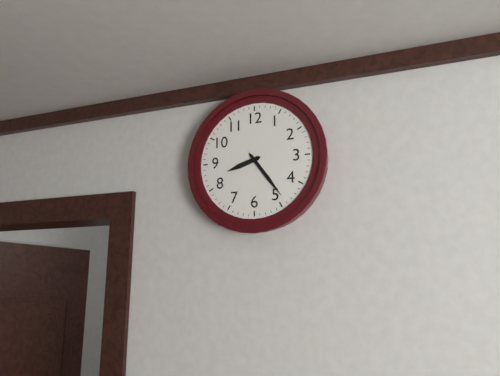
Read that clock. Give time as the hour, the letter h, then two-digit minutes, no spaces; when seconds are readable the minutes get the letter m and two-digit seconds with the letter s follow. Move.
8h24
